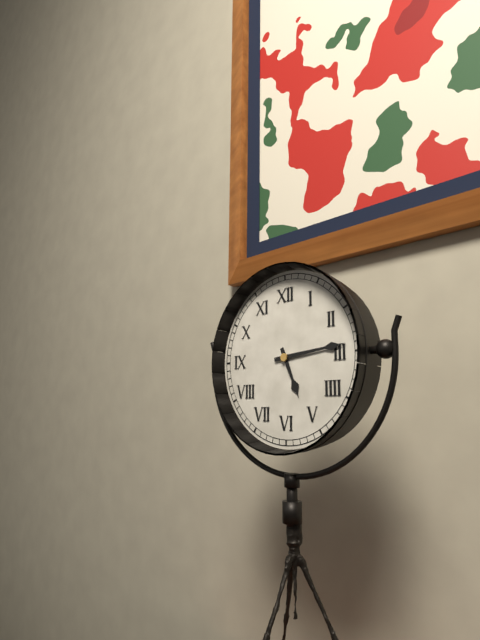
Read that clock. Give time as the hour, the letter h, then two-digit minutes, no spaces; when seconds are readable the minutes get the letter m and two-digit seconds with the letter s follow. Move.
5h14
